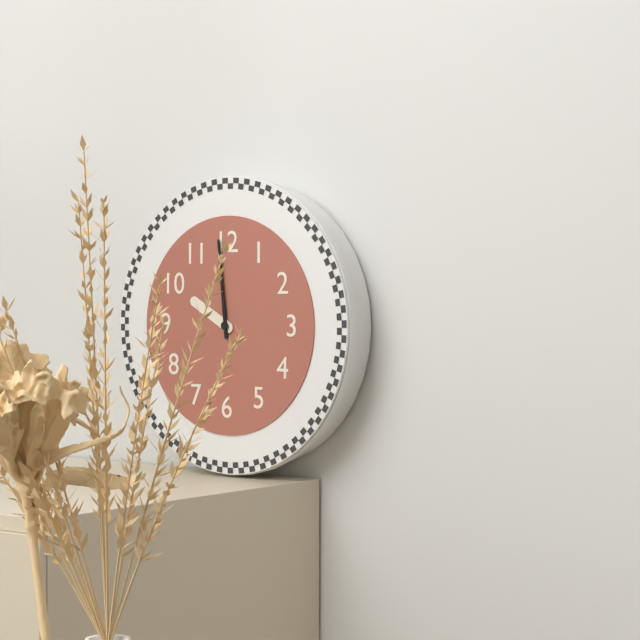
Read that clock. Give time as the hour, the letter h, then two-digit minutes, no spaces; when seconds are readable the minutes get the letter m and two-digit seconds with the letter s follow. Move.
9h59
